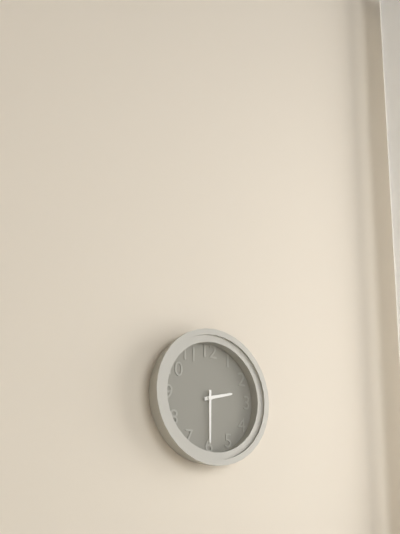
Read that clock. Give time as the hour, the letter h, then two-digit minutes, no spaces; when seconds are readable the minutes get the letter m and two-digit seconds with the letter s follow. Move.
2h30
